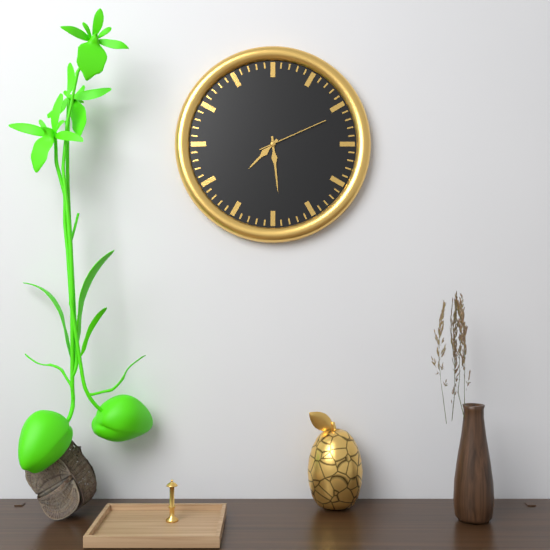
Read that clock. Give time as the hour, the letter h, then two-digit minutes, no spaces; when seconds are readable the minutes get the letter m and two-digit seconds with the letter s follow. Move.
7h29m11s
